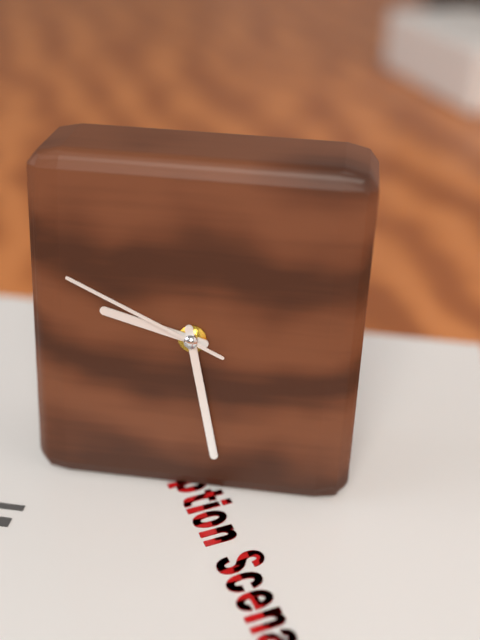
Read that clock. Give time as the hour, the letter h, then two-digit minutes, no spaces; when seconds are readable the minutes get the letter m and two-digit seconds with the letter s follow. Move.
9h28m49s
